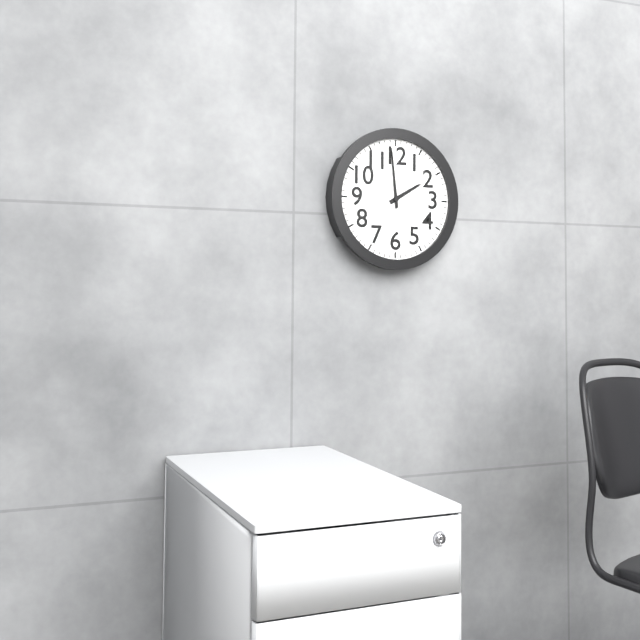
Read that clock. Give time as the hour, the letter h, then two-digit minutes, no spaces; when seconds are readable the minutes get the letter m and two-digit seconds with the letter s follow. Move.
1h59
